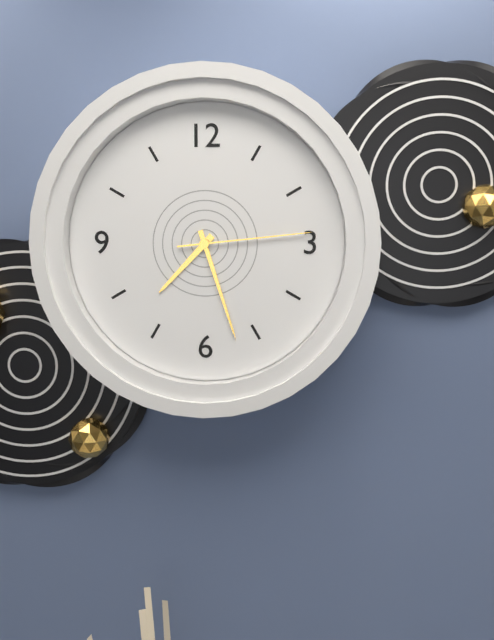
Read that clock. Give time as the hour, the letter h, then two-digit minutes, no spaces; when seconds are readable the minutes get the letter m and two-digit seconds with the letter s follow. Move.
7h27m14s
